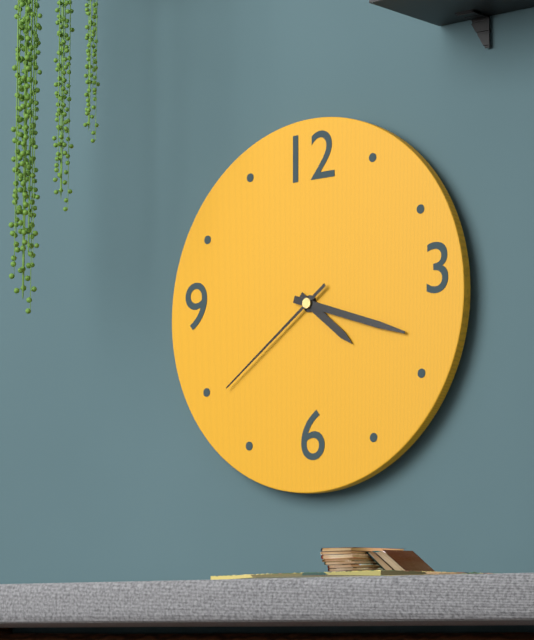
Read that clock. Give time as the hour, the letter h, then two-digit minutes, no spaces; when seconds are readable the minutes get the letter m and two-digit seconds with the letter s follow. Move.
4h18m39s
